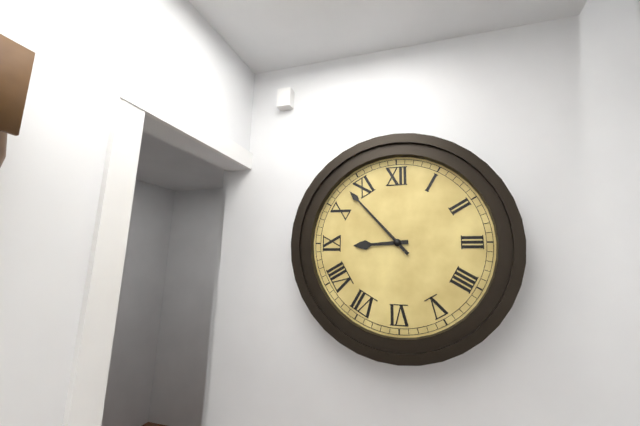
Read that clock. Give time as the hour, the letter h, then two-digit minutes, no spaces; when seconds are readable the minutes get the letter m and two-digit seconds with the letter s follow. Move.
8h53
